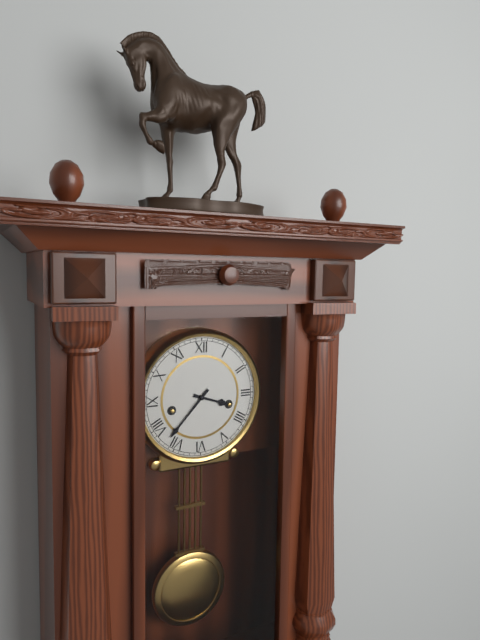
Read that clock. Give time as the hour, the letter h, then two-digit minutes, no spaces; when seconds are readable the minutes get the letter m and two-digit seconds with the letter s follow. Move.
3h37
